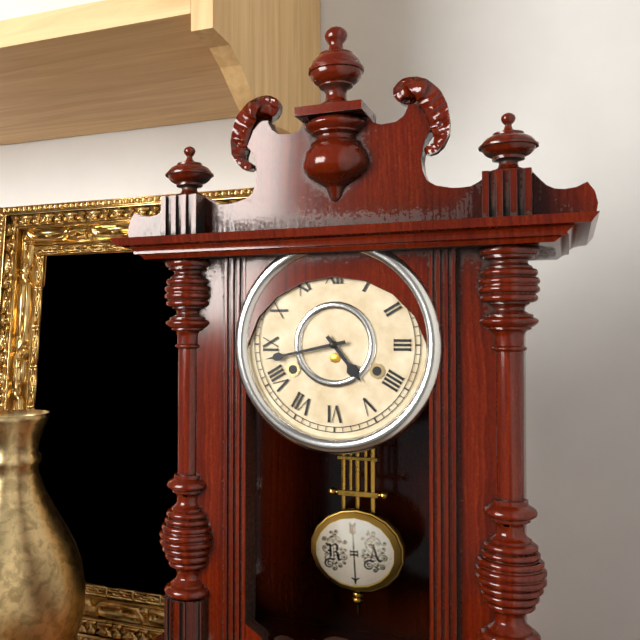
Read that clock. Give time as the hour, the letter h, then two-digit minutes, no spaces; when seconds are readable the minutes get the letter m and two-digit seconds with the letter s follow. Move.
4h43
